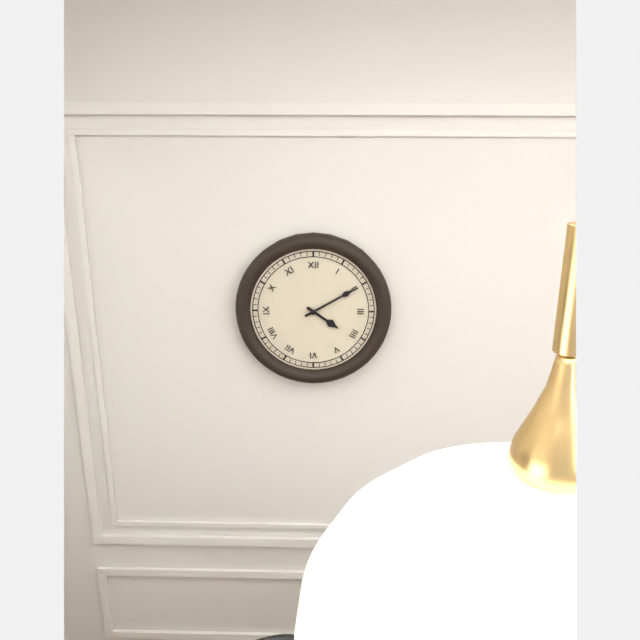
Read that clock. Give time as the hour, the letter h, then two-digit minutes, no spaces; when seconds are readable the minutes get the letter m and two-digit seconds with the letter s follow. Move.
4h10
